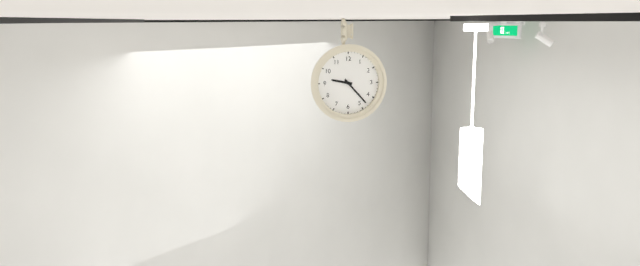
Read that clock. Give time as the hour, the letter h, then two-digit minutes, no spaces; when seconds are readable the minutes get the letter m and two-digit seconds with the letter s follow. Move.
9h23
